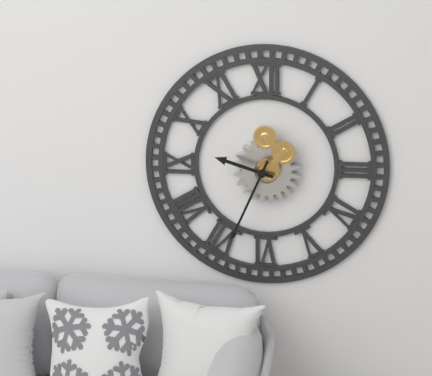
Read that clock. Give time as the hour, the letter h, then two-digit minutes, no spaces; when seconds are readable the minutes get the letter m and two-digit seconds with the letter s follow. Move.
9h34
